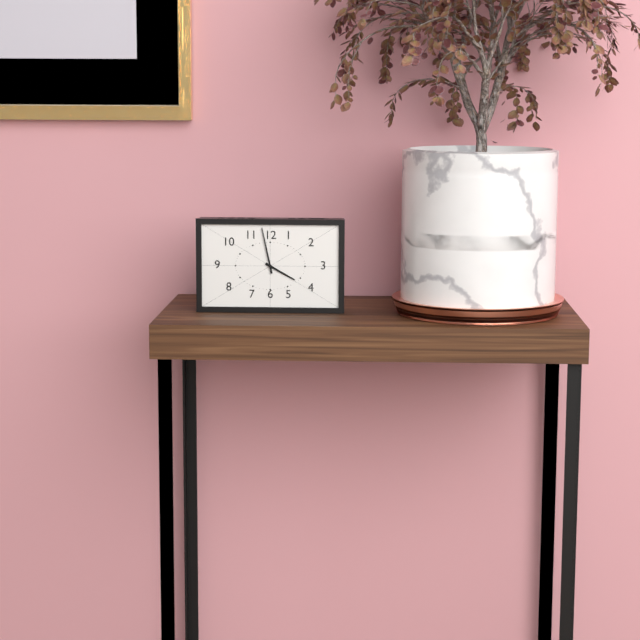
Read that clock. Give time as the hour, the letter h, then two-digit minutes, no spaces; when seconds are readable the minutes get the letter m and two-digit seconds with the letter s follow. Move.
3h58
